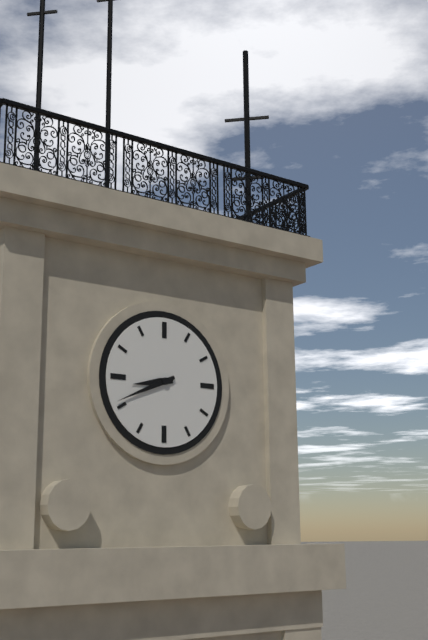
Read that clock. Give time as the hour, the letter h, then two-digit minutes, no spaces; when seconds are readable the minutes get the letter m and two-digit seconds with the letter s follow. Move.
8h41
